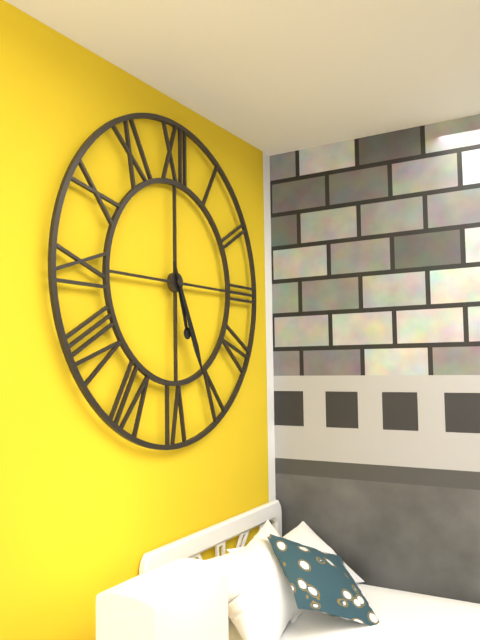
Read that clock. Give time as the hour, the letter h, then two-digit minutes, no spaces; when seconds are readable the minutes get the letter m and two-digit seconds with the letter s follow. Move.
5h26
